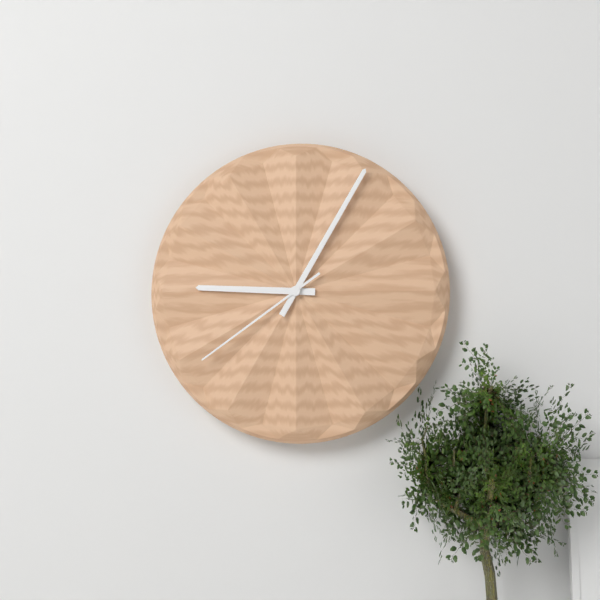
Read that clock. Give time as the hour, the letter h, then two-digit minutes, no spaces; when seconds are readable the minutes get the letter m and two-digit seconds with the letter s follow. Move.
9h05m39s
